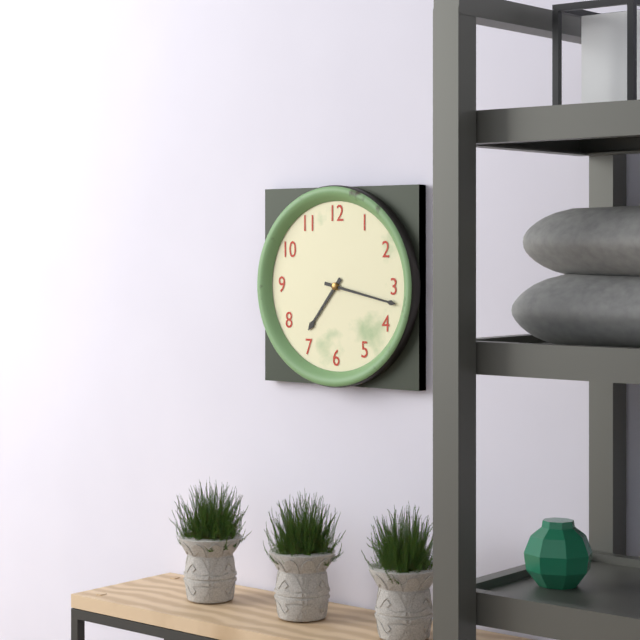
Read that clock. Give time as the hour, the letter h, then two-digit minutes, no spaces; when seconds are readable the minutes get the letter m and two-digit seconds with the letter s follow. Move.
7h17
